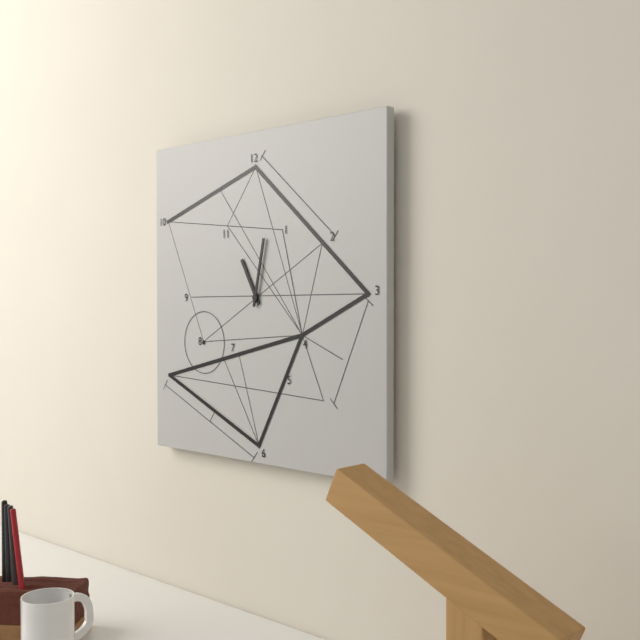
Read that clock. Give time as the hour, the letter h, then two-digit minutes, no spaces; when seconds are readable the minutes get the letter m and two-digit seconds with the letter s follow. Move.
11h02
